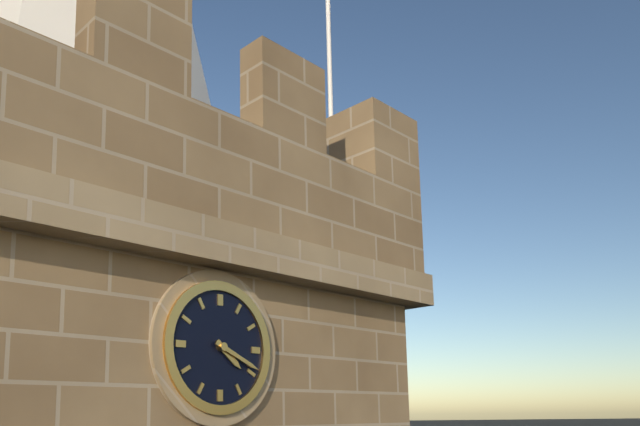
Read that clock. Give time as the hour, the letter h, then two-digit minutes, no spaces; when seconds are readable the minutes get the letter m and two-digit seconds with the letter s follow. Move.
4h19
